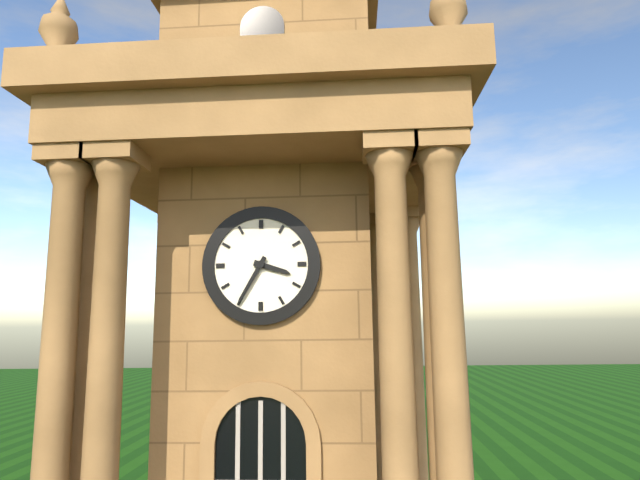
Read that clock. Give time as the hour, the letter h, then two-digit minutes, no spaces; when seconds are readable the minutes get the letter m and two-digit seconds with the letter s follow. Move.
3h35
